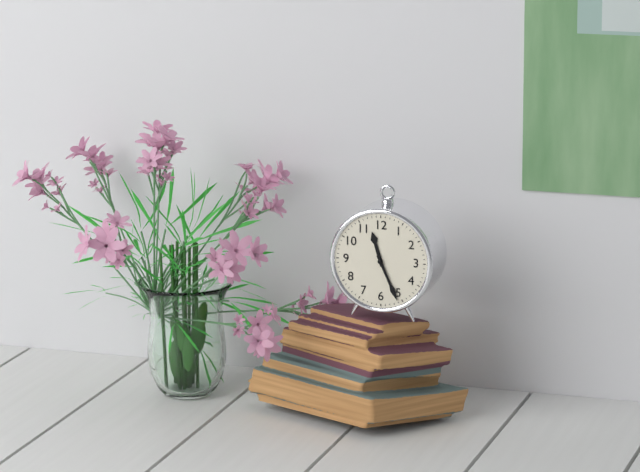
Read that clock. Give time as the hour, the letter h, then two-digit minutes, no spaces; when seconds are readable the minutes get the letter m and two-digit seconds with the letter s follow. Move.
11h26
